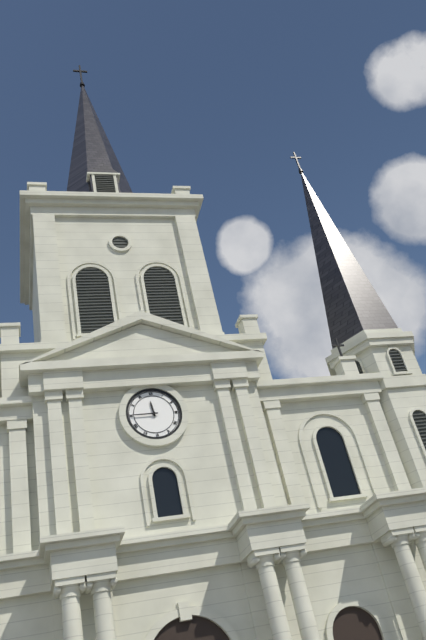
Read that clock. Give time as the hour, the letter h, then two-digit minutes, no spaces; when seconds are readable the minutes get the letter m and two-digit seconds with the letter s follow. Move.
11h45
